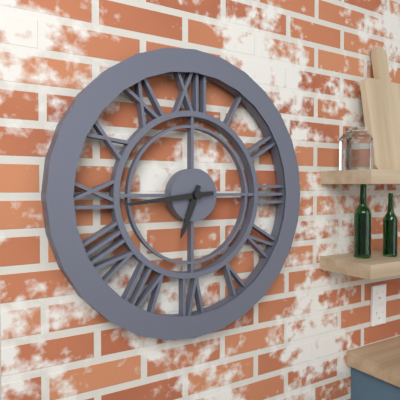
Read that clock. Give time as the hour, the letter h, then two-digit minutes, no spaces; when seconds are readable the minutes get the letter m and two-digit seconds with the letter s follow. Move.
6h44
